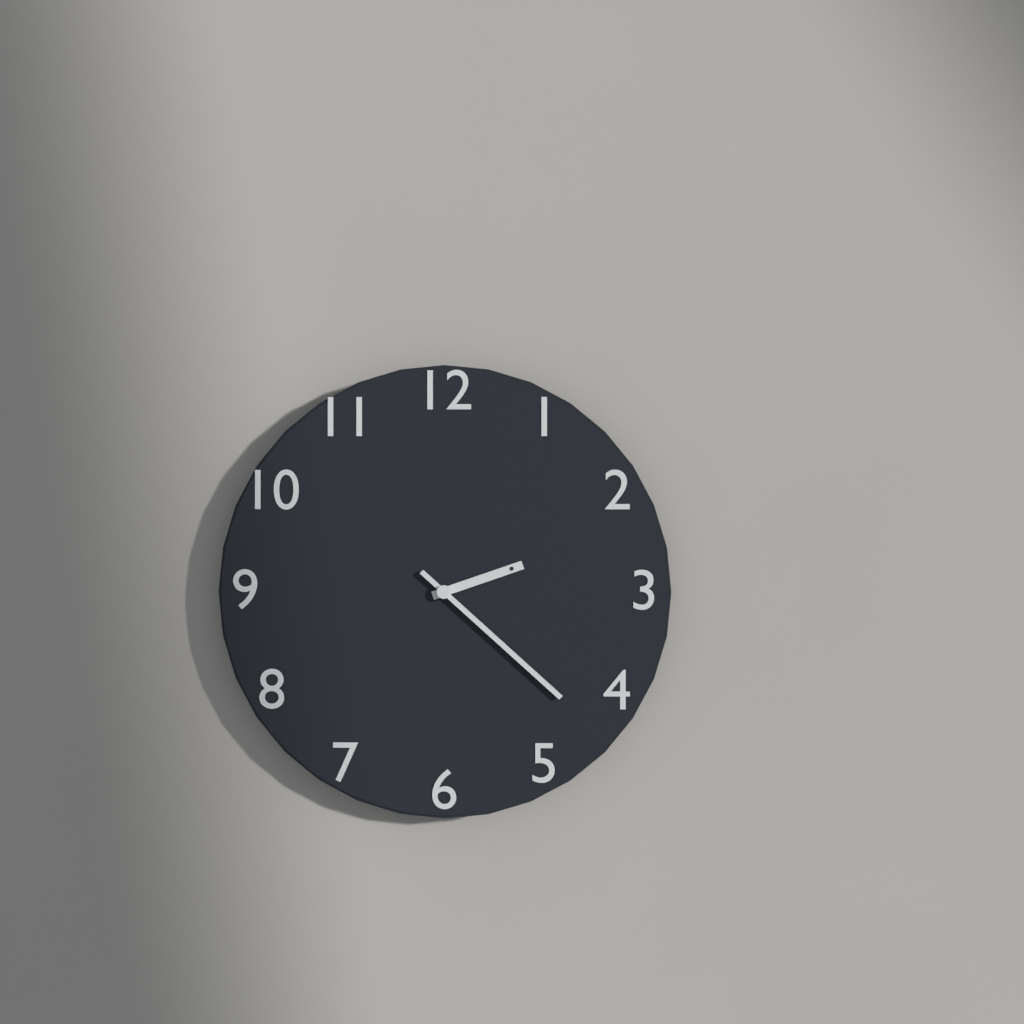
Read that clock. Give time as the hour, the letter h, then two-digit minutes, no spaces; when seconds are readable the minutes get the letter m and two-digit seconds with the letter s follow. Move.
2h22
